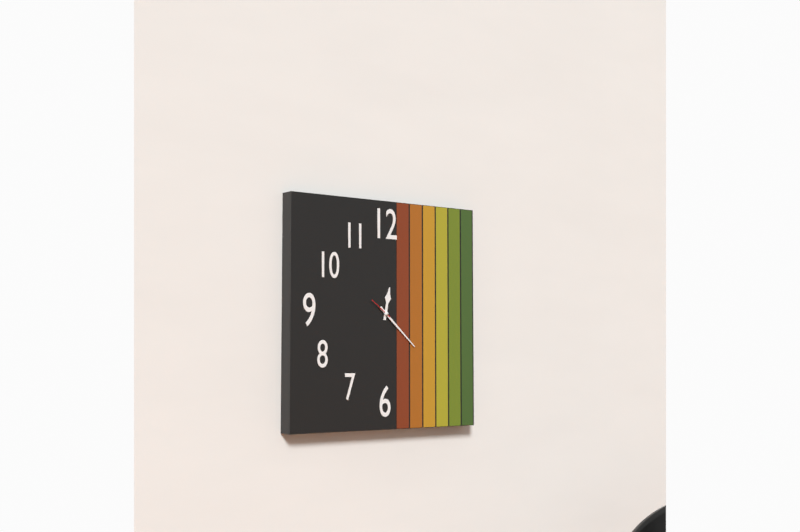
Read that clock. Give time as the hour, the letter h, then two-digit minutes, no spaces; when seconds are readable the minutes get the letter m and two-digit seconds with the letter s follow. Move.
12h22
